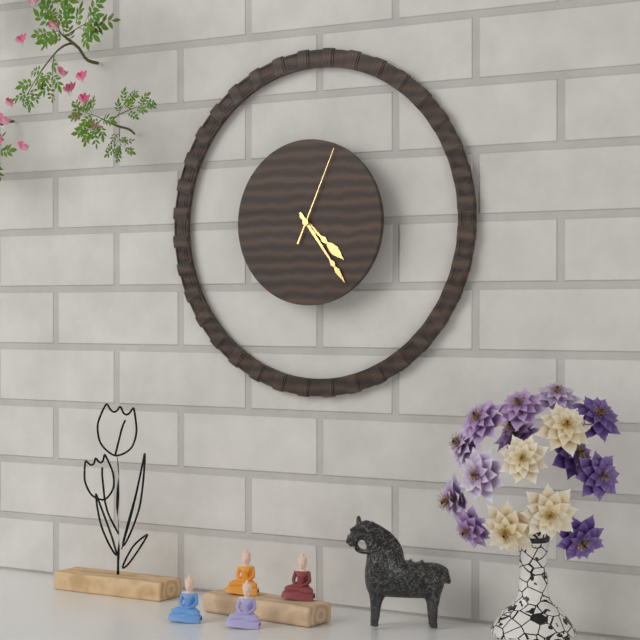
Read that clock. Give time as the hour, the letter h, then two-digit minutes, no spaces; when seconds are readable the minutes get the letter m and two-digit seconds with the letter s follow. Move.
4h24m04s
